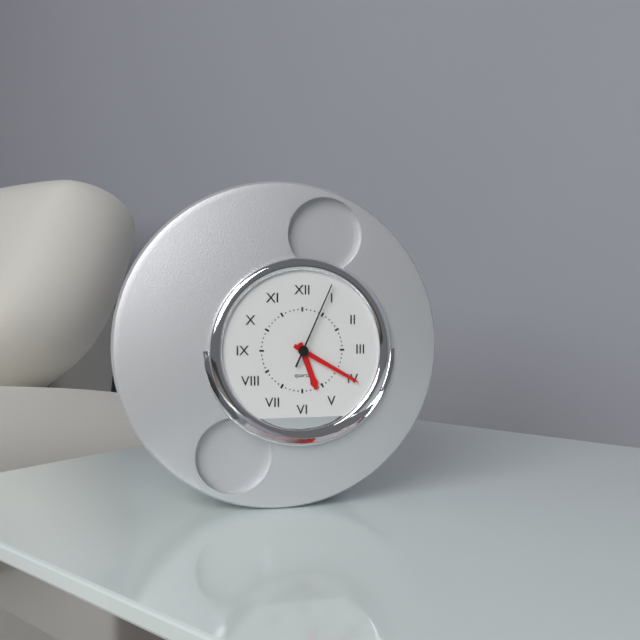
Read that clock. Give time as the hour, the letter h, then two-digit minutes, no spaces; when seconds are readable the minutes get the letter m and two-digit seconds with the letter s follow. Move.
5h20m04s
